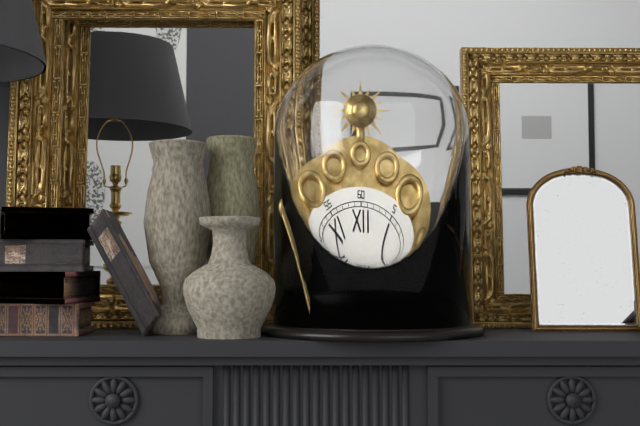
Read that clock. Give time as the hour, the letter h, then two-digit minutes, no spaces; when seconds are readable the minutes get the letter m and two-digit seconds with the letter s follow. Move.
7h32
